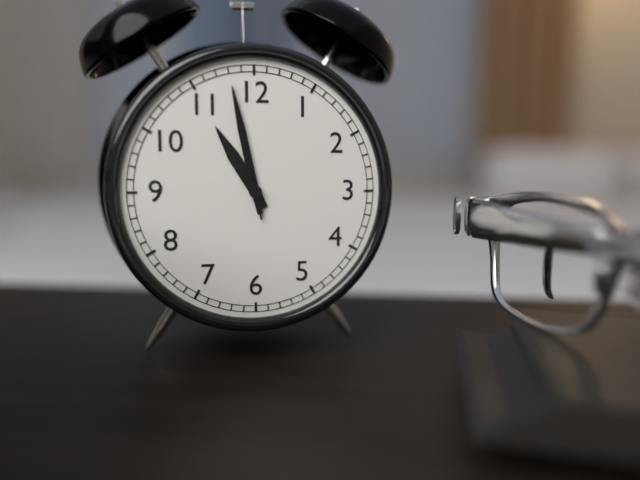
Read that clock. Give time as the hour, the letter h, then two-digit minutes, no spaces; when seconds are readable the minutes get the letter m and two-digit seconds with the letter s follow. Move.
10h58m58s
